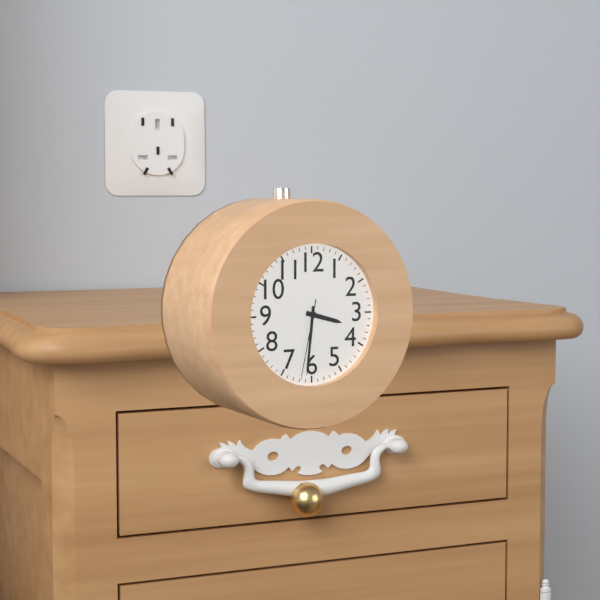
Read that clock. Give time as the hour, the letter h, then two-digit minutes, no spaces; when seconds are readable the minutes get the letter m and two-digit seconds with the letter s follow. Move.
3h31m32s
